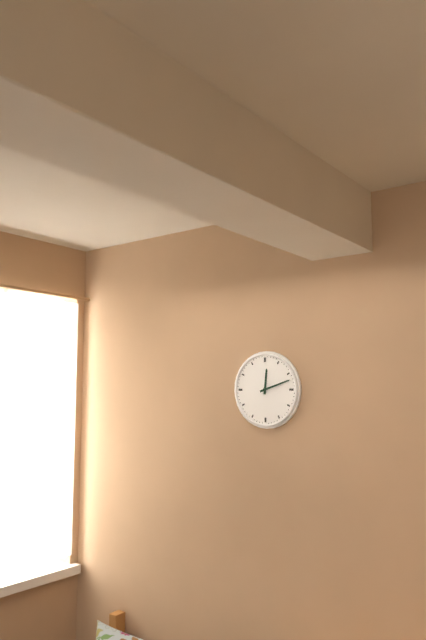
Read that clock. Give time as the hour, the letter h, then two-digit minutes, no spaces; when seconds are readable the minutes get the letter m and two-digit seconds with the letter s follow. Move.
12h12
